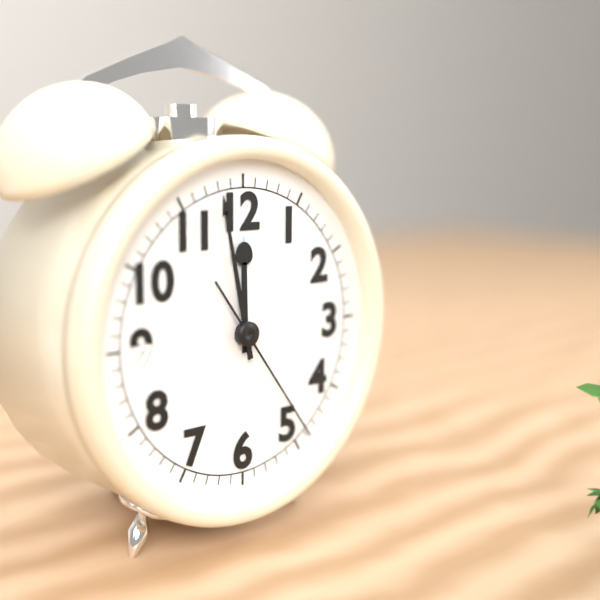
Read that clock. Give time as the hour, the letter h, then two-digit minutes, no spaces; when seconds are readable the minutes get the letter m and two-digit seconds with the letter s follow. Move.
11h58m24s
